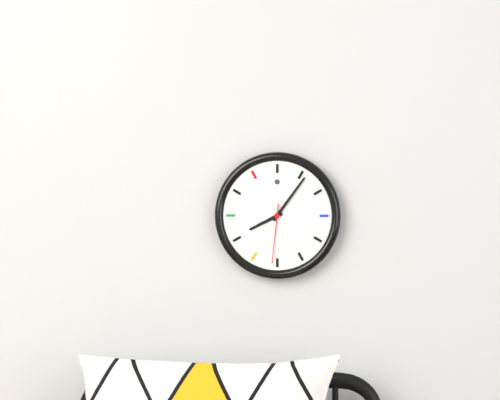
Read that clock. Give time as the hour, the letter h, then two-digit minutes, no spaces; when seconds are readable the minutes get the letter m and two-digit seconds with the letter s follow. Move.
8h06m31s
